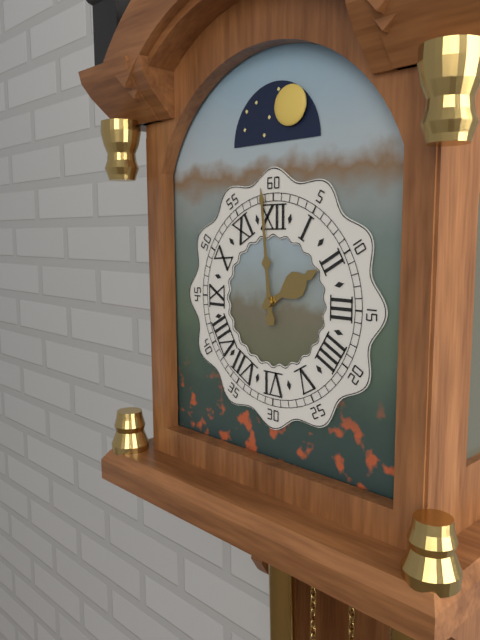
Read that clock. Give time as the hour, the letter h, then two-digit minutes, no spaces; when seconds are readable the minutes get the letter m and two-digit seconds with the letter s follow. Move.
1h59
